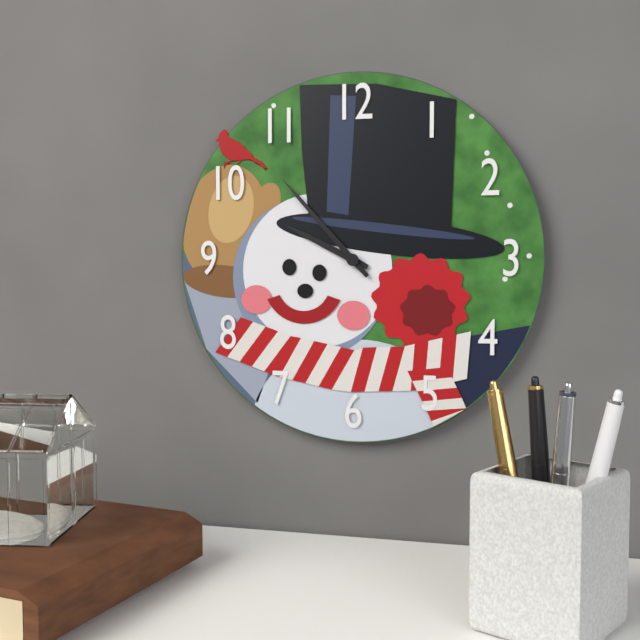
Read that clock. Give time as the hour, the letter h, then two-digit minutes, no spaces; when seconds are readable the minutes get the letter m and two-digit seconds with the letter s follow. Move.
9h53
